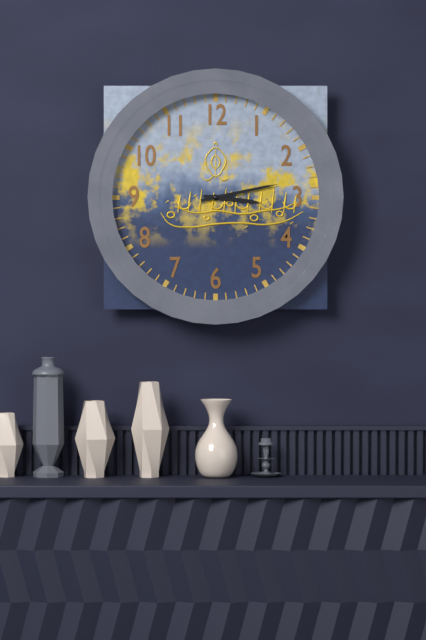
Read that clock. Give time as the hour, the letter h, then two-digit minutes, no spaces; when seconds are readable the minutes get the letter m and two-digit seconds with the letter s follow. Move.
3h13
